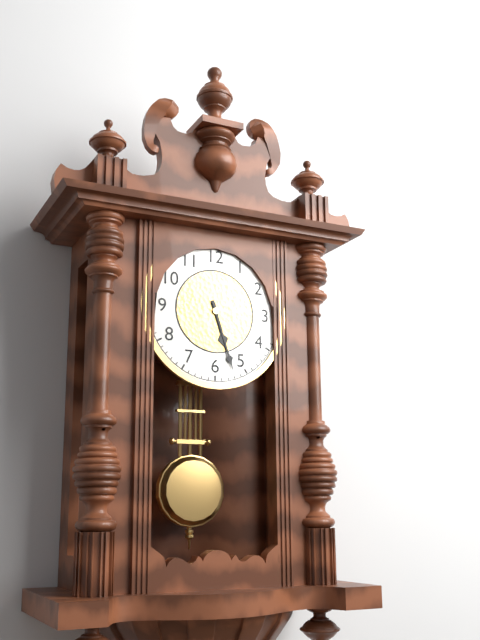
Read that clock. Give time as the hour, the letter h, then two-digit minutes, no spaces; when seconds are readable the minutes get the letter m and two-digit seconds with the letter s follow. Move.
5h27
